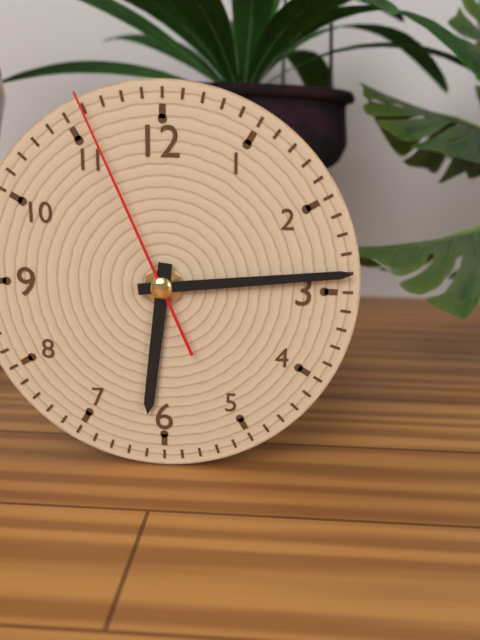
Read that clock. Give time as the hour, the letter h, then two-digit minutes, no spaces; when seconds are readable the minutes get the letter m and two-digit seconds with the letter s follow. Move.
6h14m56s
